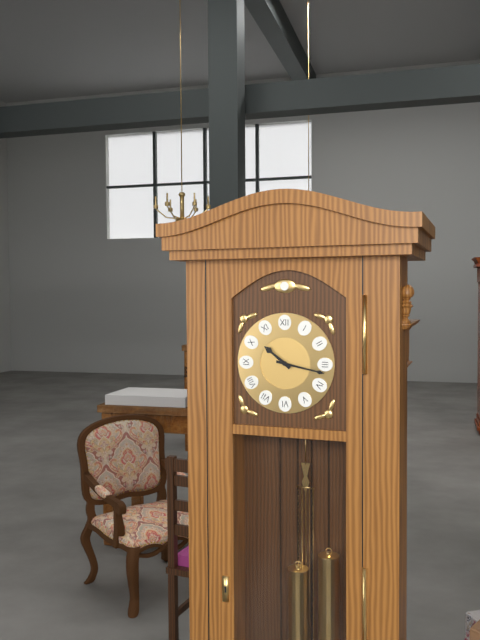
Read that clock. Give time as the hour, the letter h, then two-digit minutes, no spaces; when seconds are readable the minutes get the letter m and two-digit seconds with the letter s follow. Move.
10h17
